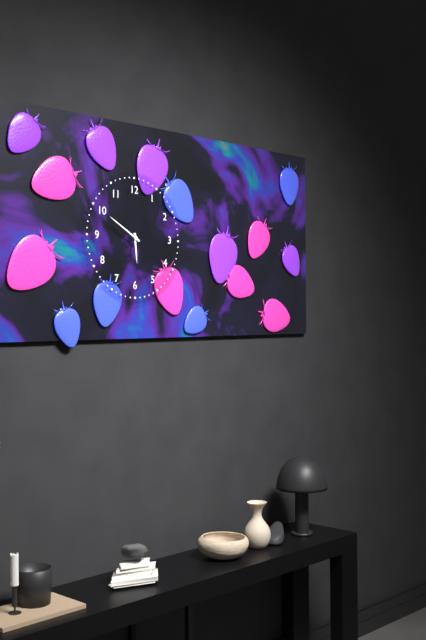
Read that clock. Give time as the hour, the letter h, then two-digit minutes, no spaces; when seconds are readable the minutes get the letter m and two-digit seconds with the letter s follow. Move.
5h50
